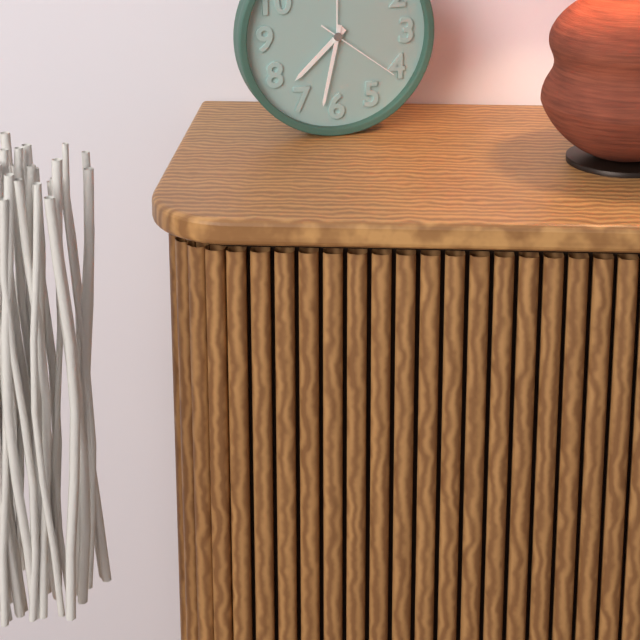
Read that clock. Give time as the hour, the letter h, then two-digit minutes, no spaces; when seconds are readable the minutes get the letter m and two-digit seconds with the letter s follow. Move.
7h32m21s
